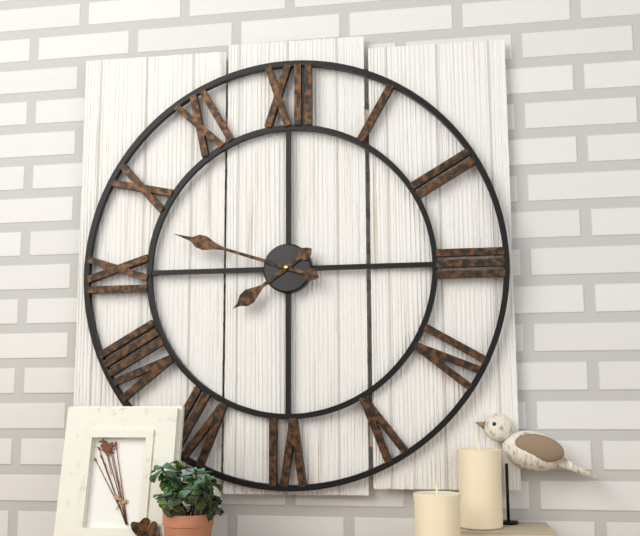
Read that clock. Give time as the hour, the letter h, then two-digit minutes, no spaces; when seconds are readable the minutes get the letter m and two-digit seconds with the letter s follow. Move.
7h48
